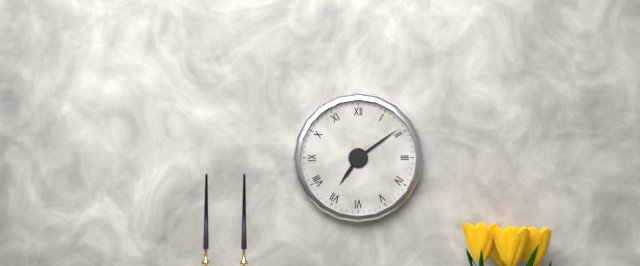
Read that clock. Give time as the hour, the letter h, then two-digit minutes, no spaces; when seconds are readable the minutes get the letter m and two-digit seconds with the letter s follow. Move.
7h09
